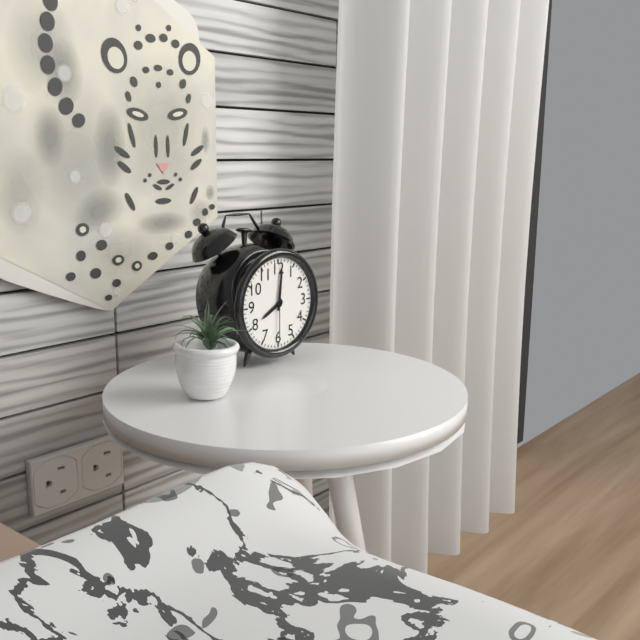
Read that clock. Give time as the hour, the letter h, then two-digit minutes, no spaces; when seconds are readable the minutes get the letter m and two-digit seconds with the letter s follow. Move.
8h01m30s
